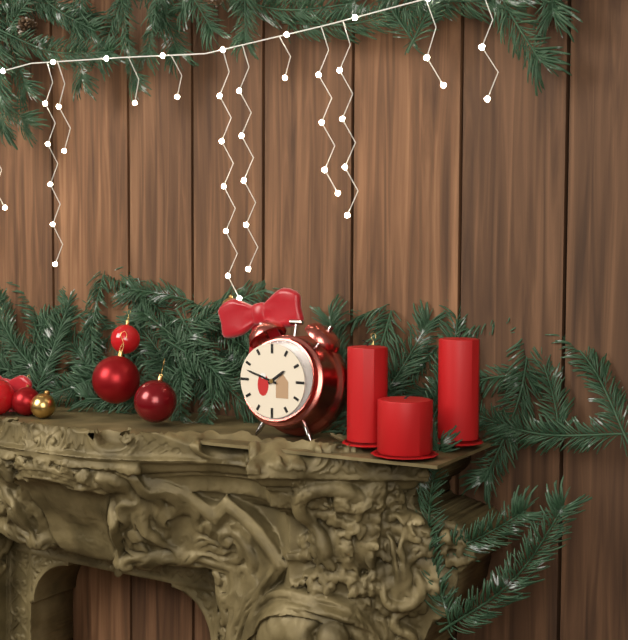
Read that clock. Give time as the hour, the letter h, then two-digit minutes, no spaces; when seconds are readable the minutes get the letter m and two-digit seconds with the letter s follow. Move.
1h48
